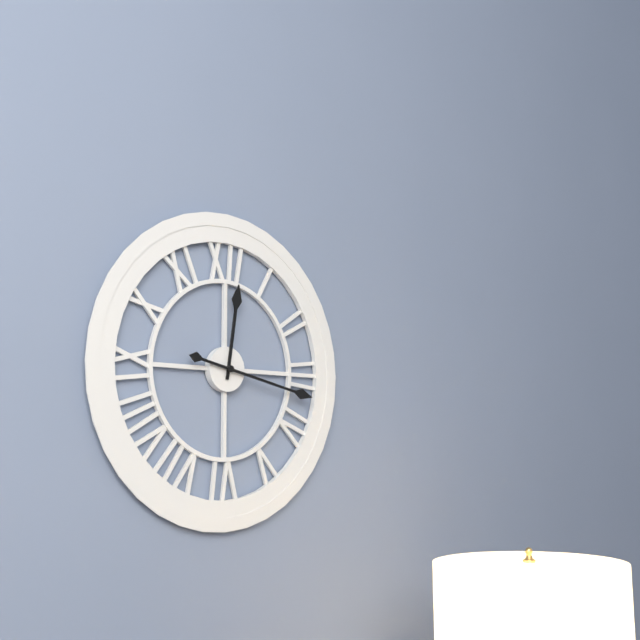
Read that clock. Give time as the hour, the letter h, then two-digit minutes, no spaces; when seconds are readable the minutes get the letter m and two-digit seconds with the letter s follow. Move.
12h17
